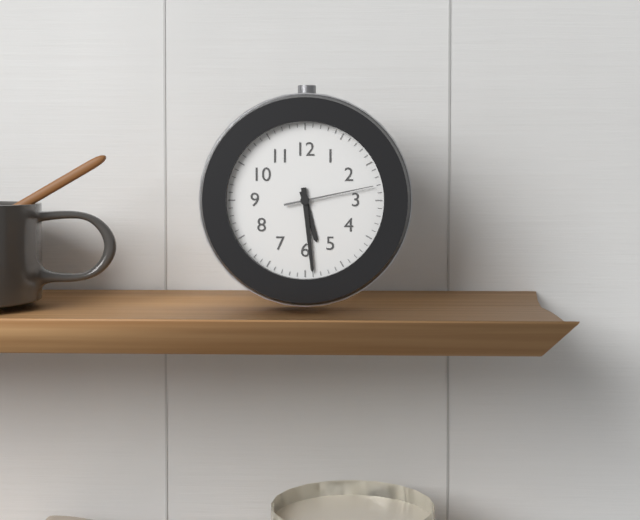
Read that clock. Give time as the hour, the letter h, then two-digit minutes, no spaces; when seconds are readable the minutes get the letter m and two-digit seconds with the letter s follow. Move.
5h29m13s
